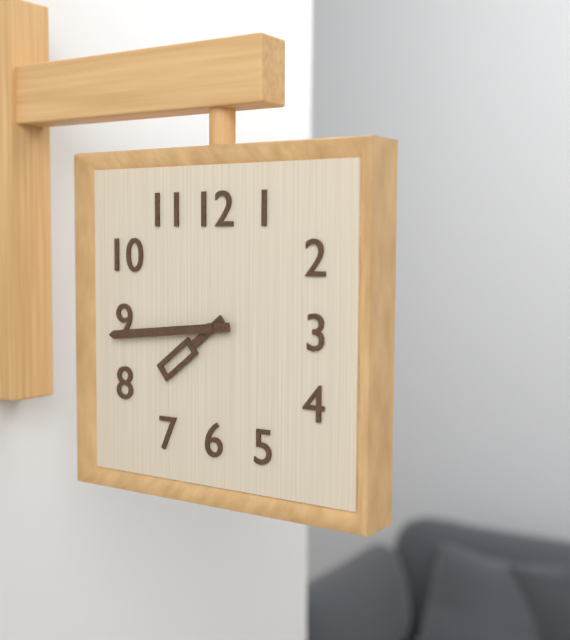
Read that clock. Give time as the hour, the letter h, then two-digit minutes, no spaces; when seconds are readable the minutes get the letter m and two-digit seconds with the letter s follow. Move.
7h44
